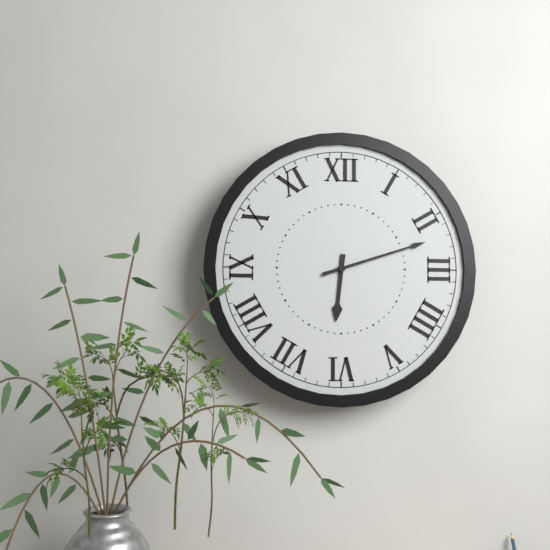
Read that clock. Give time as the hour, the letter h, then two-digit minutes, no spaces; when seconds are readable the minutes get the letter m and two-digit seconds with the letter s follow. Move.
6h12
